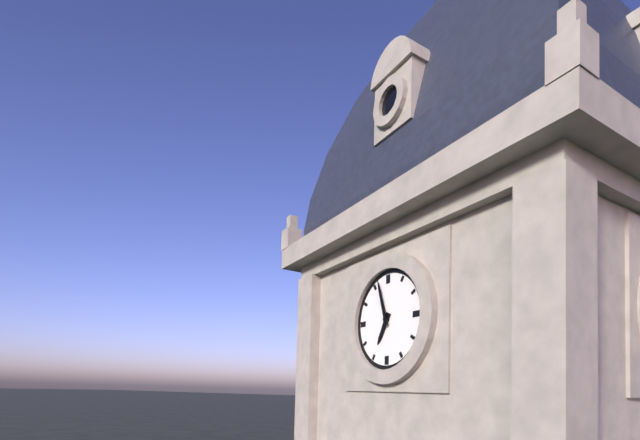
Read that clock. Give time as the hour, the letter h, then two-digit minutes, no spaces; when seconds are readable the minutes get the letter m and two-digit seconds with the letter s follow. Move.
6h57
